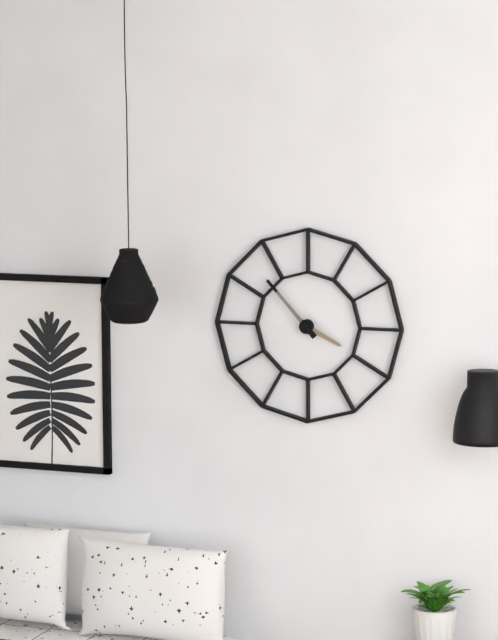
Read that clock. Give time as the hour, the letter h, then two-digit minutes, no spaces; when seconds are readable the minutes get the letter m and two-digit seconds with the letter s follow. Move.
3h53
